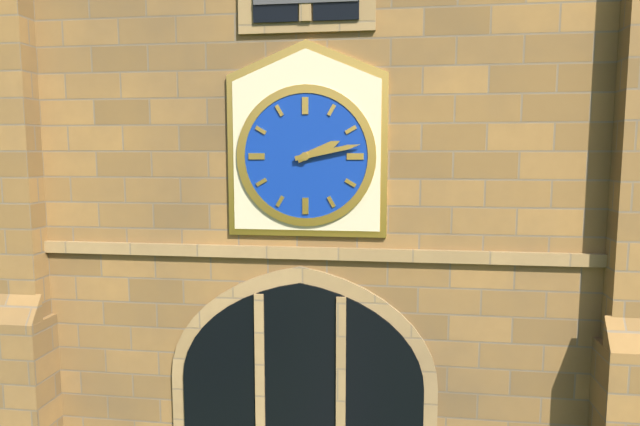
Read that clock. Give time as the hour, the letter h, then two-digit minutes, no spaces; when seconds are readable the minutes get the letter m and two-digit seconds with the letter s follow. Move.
2h13
